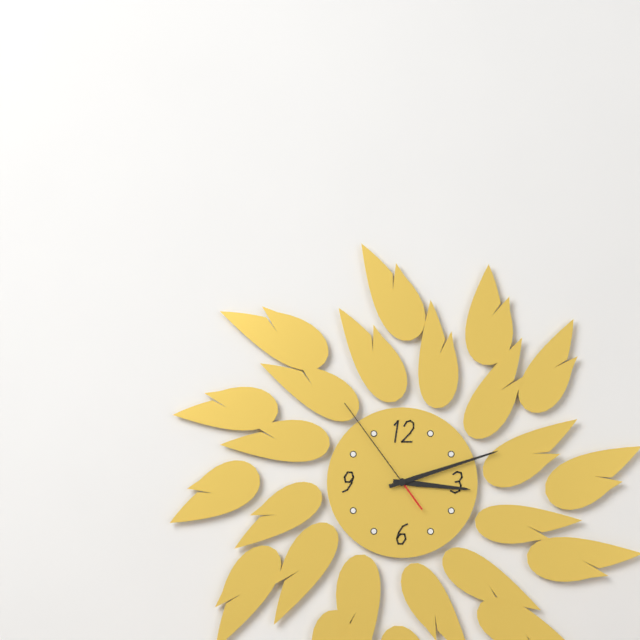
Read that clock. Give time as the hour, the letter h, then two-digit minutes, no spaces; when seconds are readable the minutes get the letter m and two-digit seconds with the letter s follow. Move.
3h12m54s
